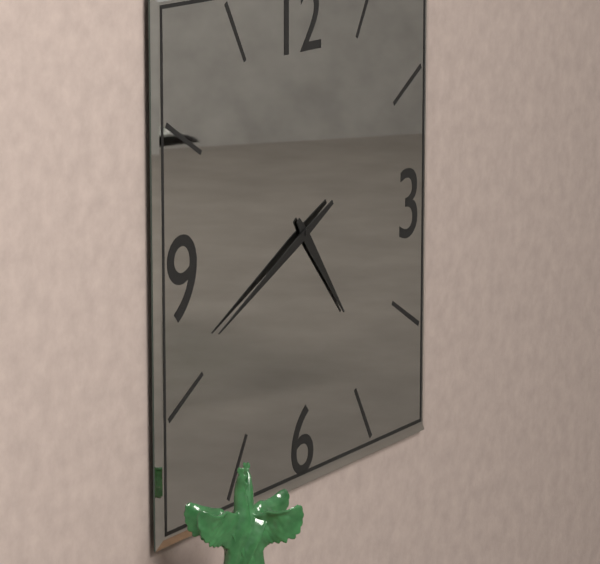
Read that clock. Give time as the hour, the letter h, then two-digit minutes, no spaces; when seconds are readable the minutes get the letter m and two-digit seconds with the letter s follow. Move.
4h41
